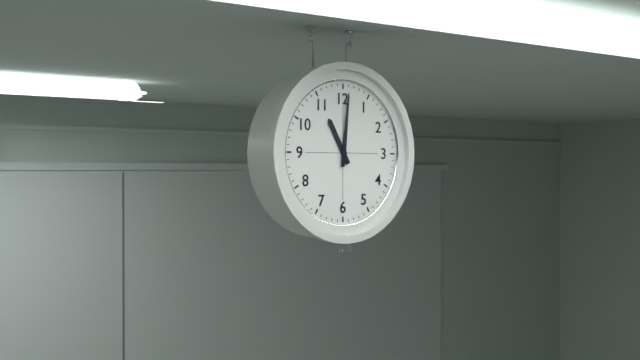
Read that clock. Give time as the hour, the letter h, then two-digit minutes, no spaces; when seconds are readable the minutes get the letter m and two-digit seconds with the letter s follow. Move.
11h01
